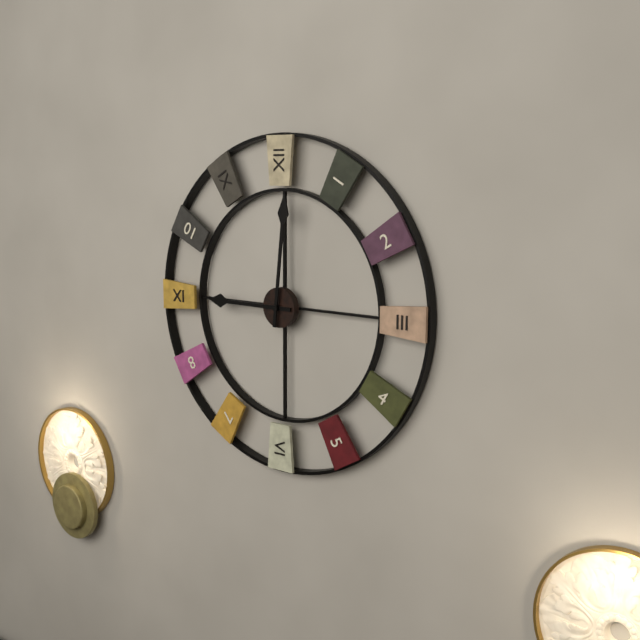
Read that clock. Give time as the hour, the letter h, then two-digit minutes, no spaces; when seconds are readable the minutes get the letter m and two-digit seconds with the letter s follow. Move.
9h01
